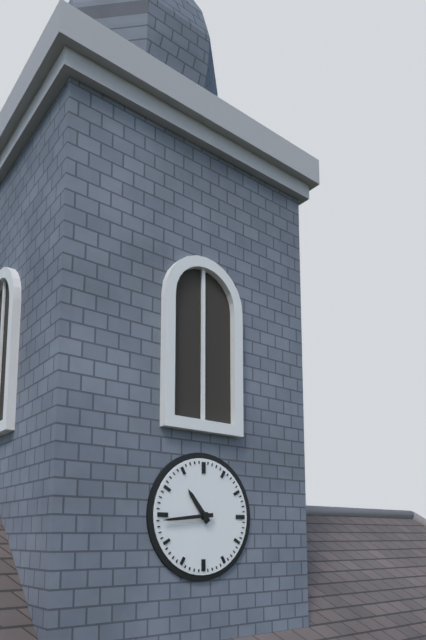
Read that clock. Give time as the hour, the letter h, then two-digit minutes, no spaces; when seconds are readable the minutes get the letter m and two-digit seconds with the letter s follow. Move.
10h44
